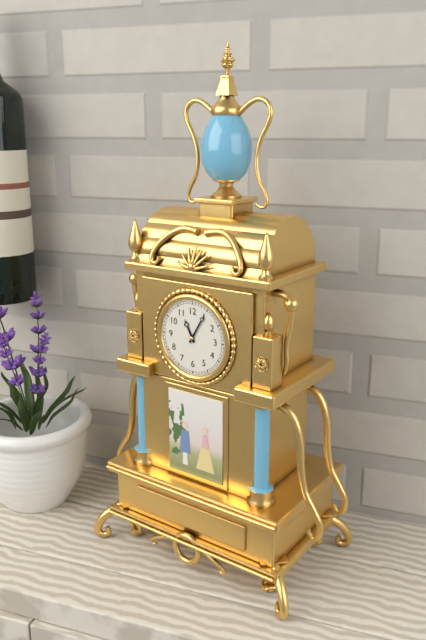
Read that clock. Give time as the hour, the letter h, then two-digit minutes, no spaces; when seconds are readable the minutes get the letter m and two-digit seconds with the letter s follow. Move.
11h05
